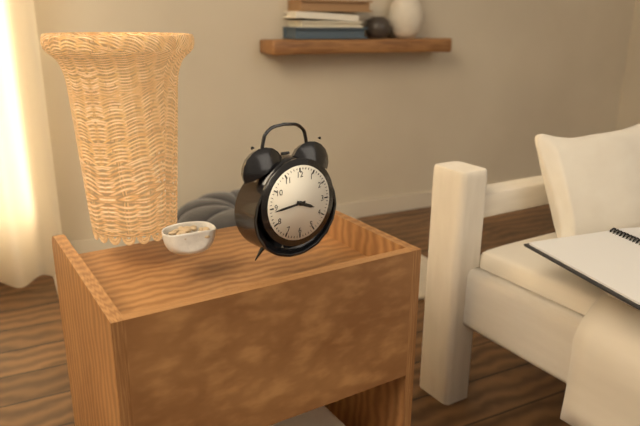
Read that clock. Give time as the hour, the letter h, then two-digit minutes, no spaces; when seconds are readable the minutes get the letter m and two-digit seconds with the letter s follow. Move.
3h44
